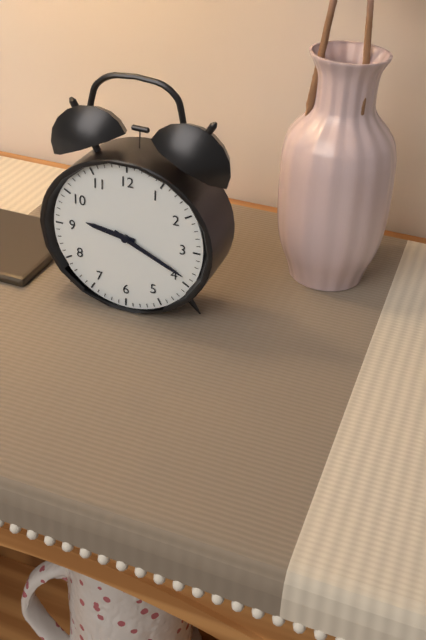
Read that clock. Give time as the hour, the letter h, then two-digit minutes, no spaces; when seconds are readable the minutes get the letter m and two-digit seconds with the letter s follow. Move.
9h19
